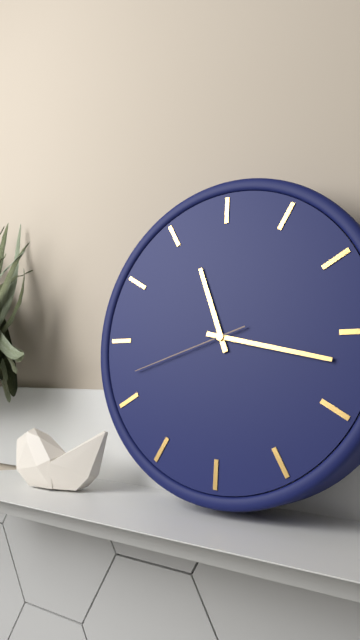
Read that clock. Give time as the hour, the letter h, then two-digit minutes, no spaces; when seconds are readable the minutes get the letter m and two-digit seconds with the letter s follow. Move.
11h17m42s
